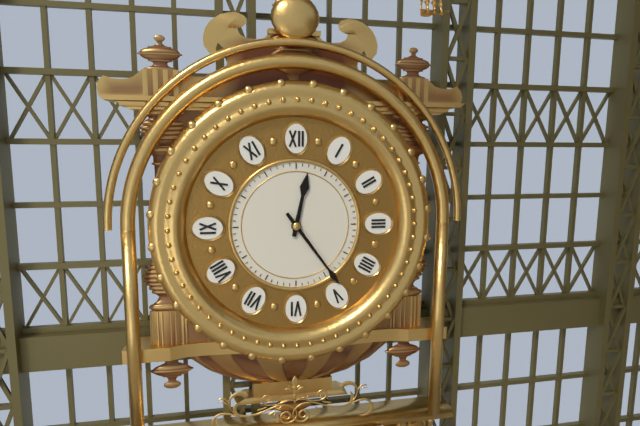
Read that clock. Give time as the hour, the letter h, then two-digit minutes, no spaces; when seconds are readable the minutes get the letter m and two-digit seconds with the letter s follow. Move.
12h24
